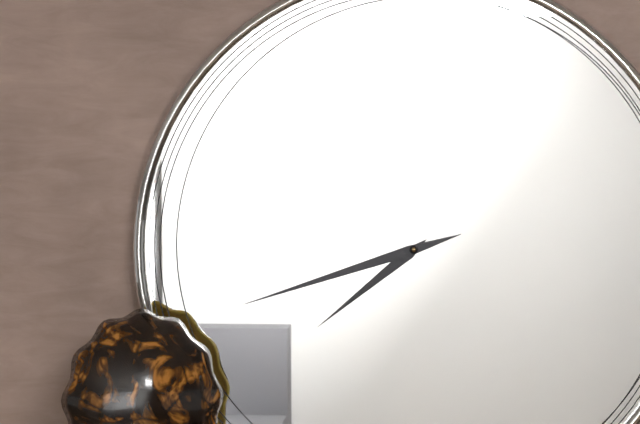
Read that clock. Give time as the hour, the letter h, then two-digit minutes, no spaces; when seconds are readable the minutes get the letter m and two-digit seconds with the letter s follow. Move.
7h42
